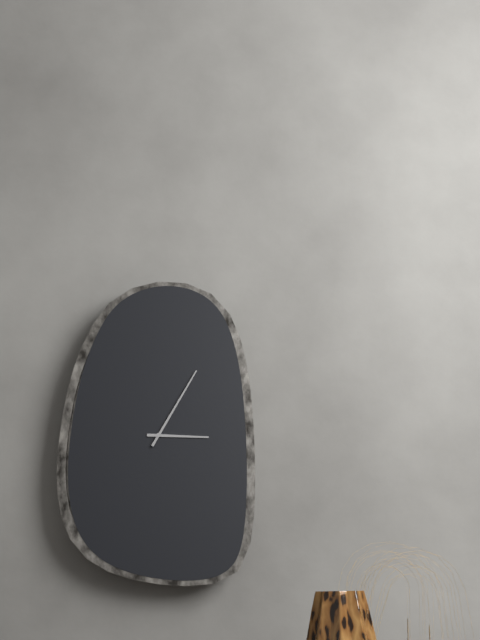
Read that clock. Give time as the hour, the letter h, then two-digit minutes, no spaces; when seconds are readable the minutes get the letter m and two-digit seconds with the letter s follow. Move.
3h05
